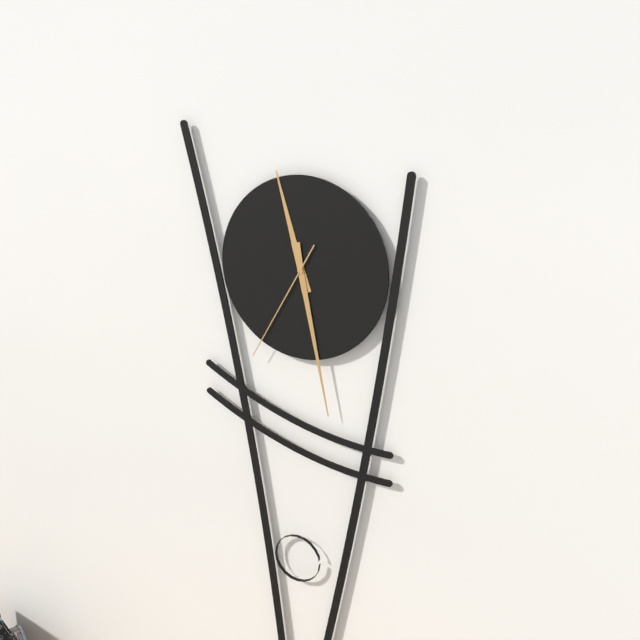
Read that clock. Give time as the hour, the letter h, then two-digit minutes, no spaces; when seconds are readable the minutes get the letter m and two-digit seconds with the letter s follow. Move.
11h28m35s
